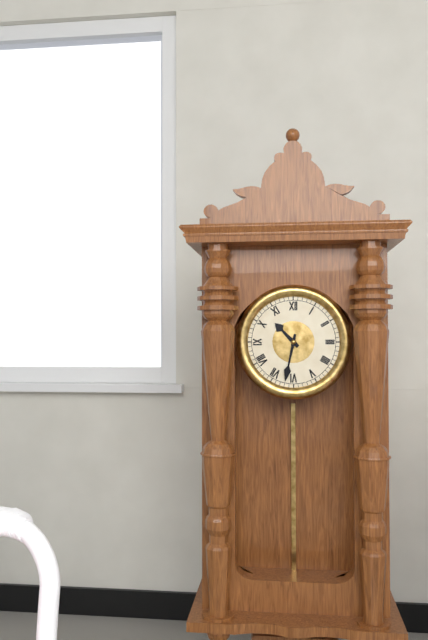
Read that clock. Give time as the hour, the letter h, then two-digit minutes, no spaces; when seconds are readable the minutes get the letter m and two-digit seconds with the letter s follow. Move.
10h32
